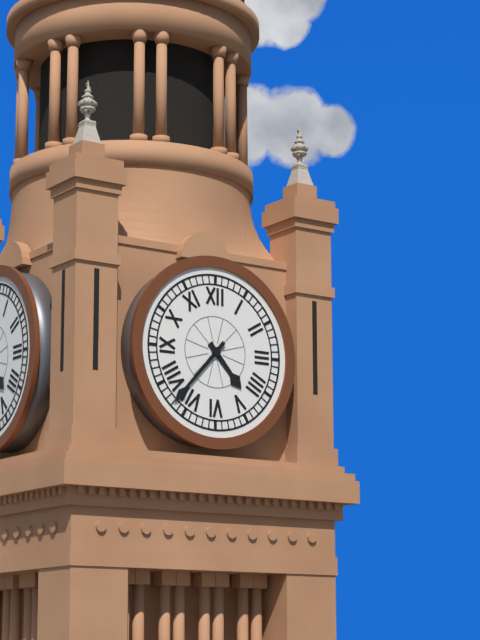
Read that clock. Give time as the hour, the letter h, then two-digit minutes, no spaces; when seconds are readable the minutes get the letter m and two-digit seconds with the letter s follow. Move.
4h37
